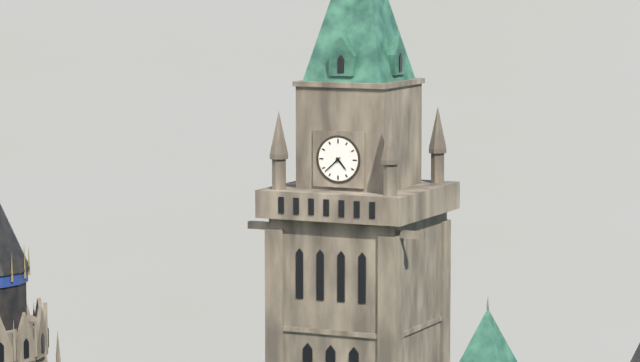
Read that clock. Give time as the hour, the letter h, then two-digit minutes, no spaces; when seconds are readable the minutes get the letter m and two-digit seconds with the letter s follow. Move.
4h38
